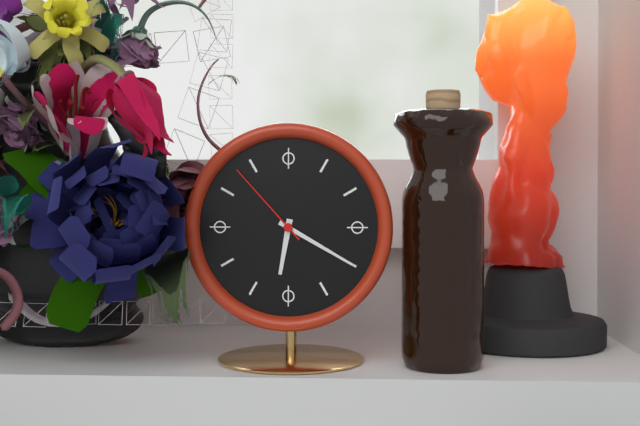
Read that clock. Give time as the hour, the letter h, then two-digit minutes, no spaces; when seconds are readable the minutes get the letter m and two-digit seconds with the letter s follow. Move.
6h20m53s
